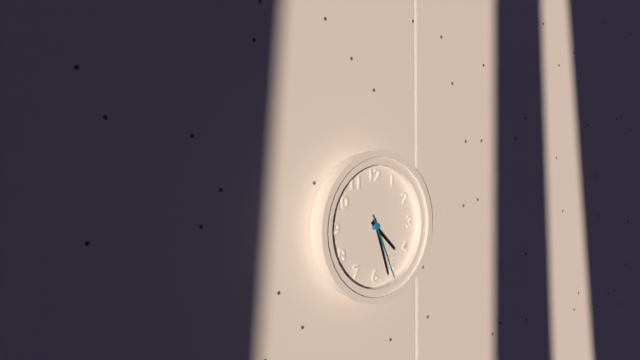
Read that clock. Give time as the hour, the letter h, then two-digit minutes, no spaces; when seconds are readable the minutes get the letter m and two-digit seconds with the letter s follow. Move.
4h27m26s
